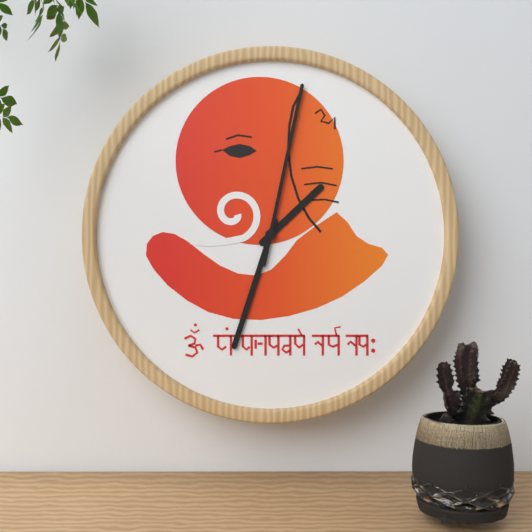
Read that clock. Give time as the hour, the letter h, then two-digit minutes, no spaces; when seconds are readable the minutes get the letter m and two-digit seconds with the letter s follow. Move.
1h33m02s
